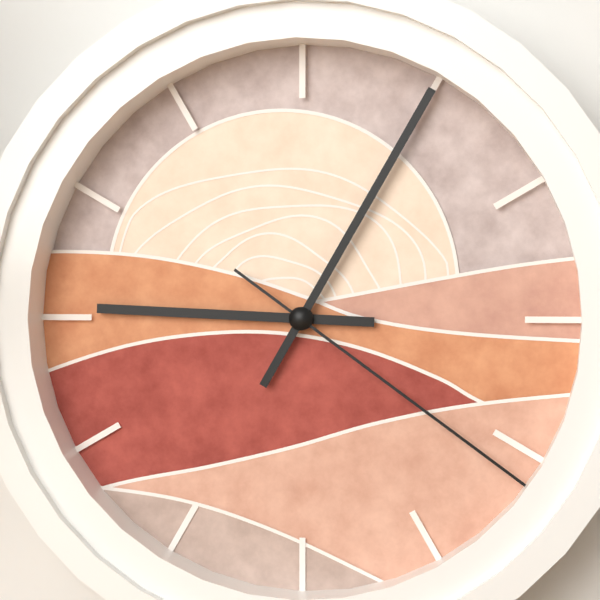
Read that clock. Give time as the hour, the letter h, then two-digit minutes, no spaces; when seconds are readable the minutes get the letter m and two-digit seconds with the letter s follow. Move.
9h05m21s
